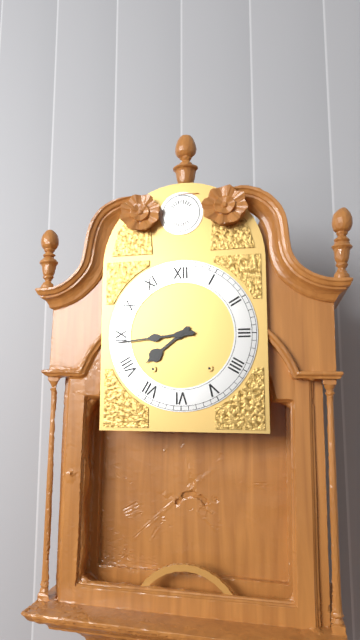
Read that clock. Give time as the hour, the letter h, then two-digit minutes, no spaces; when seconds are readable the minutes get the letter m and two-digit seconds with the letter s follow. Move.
7h44
